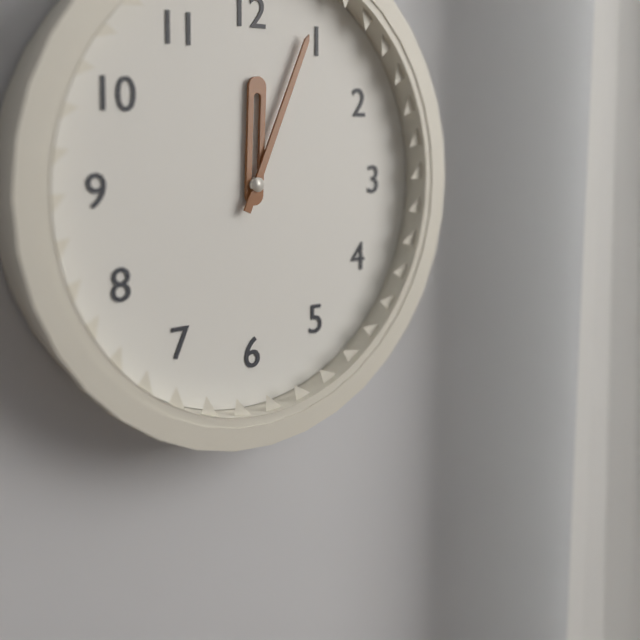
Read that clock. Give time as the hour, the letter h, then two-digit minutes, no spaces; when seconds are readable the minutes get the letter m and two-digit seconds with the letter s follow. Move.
12h04
